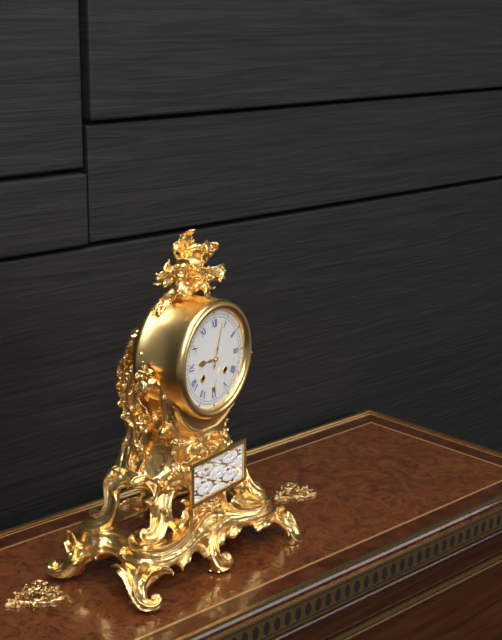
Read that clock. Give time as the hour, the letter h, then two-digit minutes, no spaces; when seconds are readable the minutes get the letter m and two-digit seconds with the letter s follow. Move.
9h03
